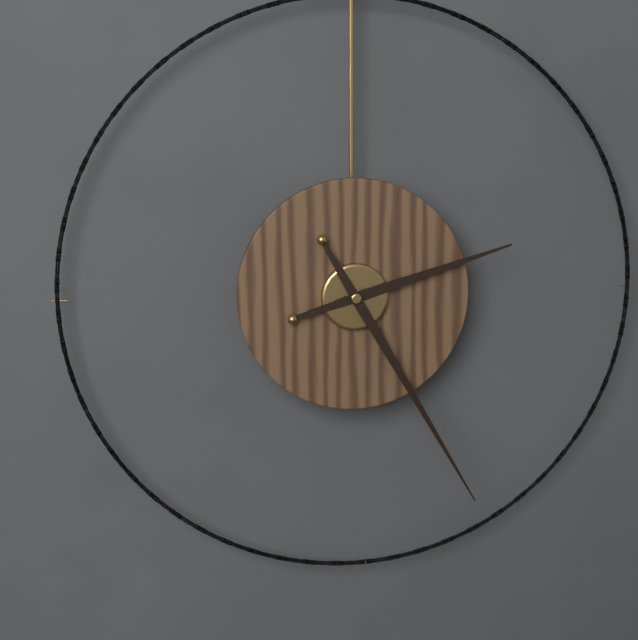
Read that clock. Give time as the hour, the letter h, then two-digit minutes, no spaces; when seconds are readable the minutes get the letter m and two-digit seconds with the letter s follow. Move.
2h25
